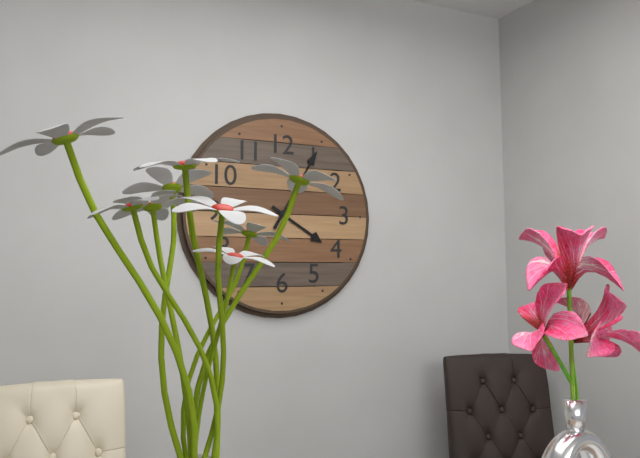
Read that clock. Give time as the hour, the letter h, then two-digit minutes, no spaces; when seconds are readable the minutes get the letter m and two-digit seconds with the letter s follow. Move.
4h05
